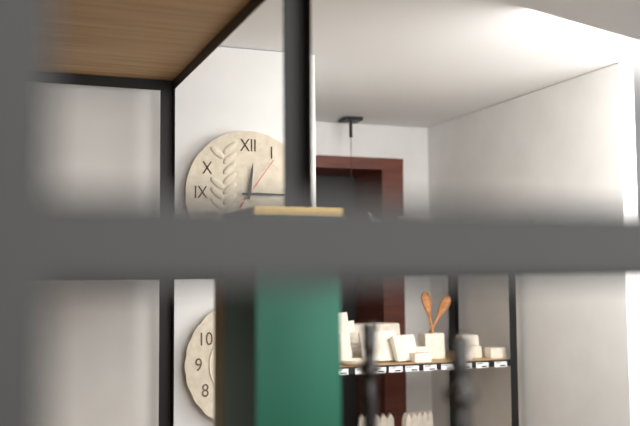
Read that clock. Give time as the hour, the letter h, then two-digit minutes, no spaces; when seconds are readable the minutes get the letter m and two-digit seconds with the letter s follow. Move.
12h15m06s
